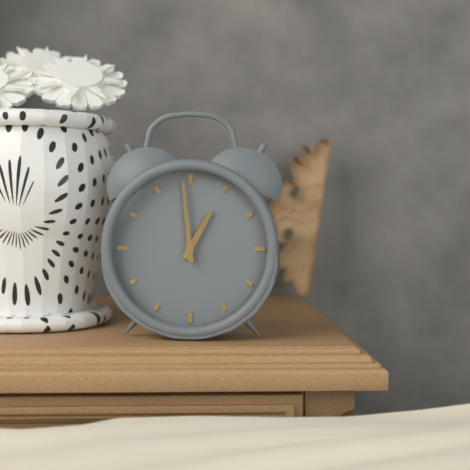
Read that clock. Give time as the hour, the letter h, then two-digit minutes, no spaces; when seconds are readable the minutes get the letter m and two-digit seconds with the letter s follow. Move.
12h59
